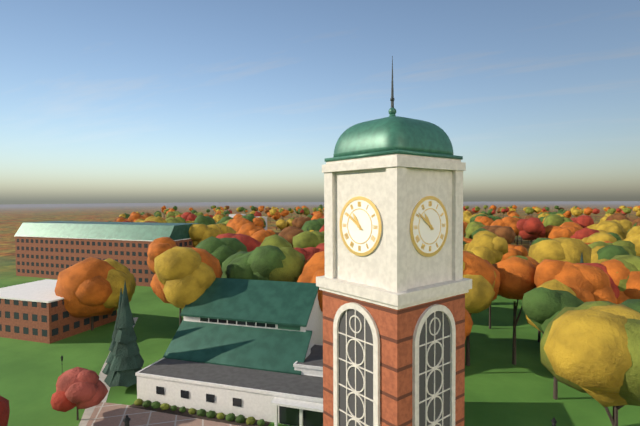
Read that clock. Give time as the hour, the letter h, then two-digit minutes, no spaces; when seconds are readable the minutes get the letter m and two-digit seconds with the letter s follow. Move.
10h51
